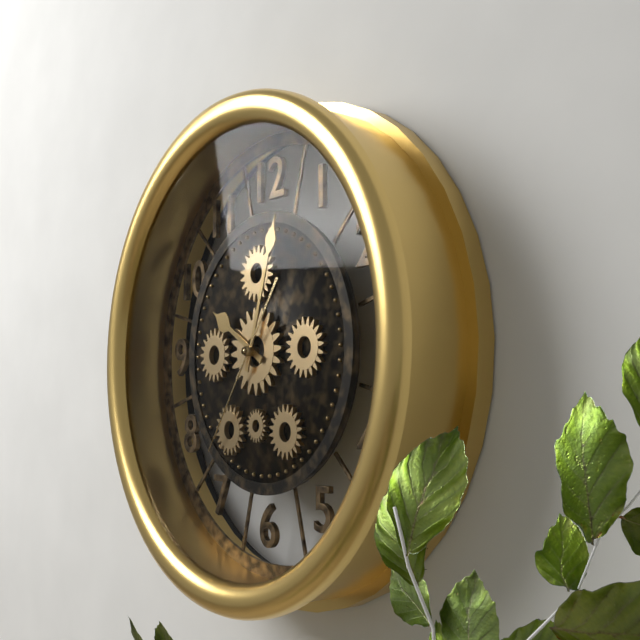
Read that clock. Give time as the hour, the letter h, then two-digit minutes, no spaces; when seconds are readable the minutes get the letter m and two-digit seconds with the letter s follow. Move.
10h03m36s
